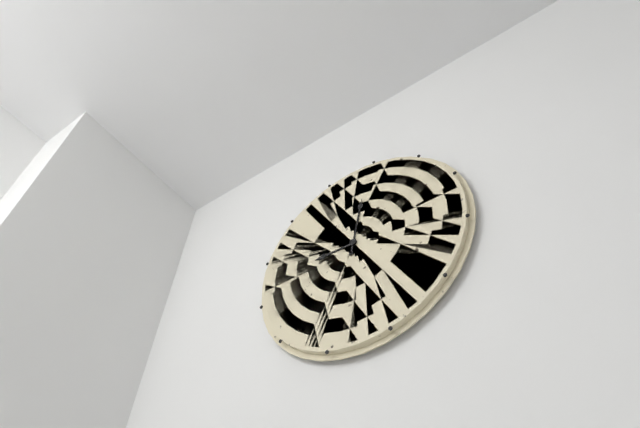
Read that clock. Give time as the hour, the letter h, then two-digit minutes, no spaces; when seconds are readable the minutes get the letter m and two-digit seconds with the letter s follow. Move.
9h02
